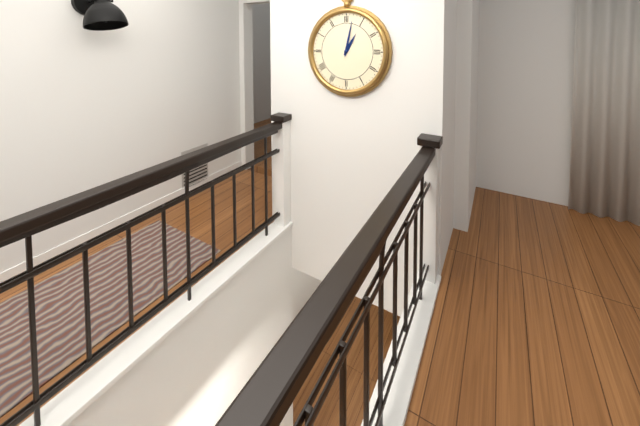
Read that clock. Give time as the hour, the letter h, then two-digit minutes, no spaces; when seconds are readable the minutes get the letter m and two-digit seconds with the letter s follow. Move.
1h02
